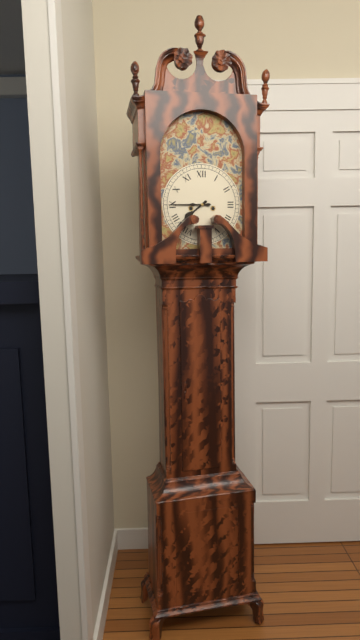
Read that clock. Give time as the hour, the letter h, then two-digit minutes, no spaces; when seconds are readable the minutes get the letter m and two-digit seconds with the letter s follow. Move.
7h45
